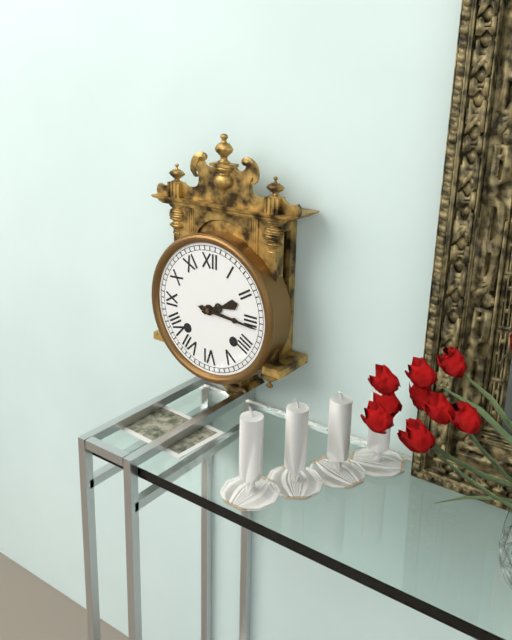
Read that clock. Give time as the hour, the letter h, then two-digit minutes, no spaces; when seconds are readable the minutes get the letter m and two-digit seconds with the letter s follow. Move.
2h16
